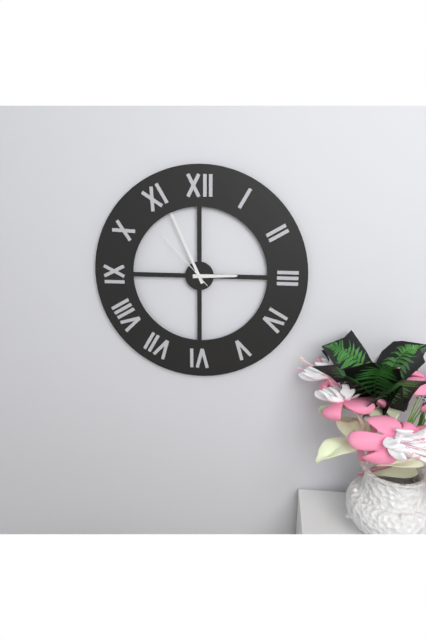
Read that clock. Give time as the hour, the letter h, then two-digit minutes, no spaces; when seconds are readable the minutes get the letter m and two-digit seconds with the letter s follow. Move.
2h56m53s
